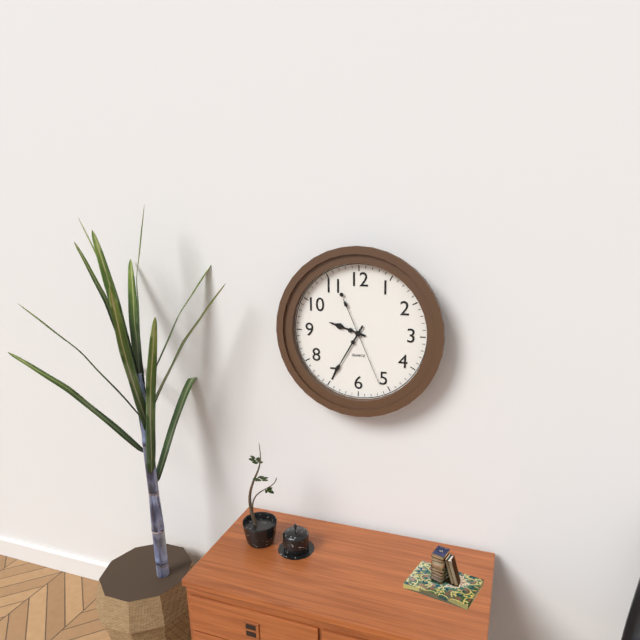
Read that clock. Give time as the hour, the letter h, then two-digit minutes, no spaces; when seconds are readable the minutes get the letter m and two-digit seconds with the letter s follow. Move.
9h35m26s
